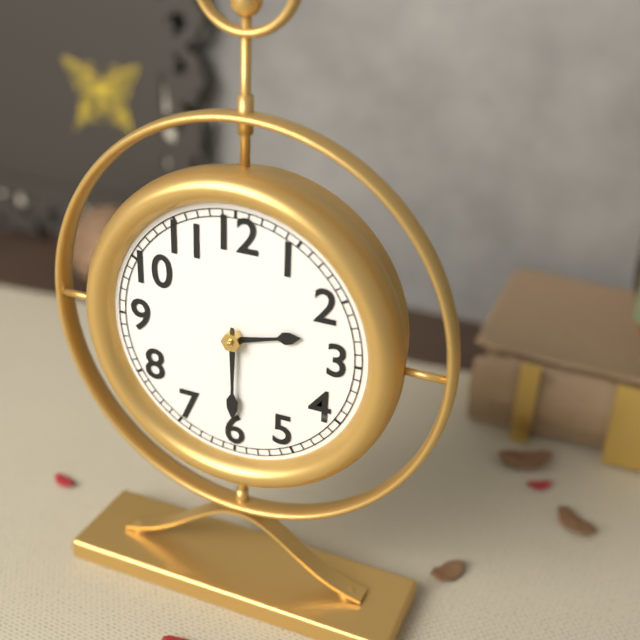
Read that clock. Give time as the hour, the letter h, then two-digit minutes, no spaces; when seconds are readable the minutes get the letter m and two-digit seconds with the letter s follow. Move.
2h30
